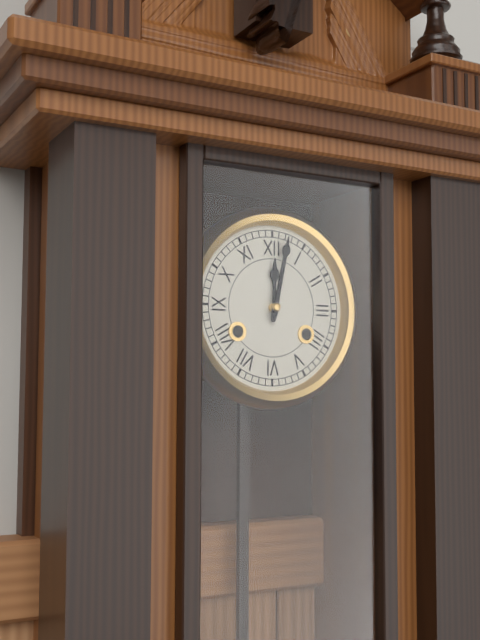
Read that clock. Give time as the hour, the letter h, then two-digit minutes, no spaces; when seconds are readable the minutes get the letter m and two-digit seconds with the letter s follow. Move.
12h02
